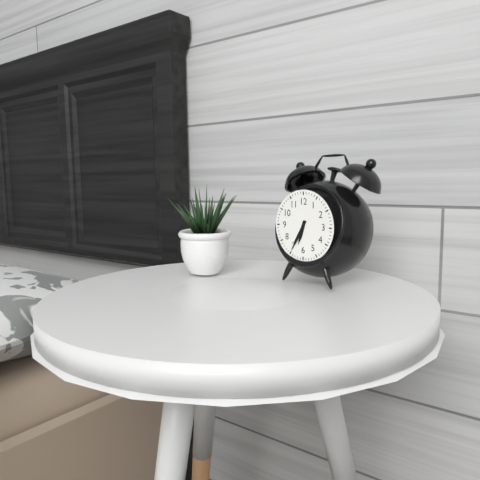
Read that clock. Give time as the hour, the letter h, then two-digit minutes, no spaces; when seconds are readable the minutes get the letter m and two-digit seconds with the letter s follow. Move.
6h35
